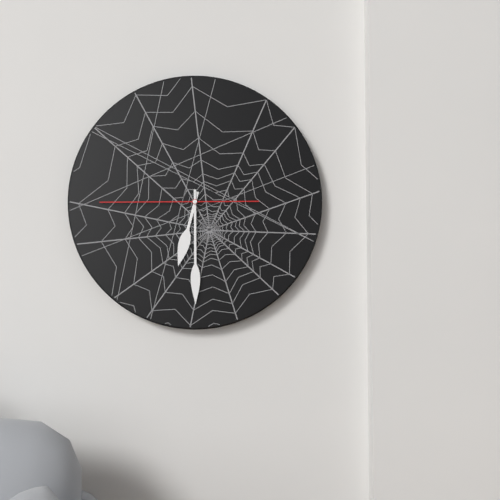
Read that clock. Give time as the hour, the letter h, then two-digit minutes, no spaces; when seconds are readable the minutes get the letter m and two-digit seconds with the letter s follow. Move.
6h30m45s
